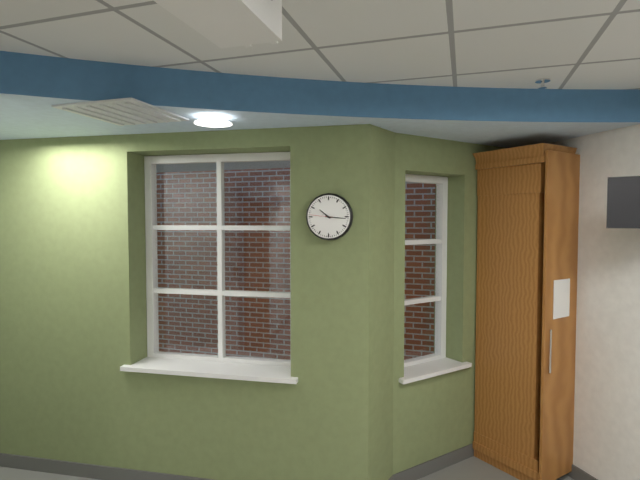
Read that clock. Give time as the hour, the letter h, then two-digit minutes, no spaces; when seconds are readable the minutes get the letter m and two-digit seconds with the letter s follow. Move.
10h16
